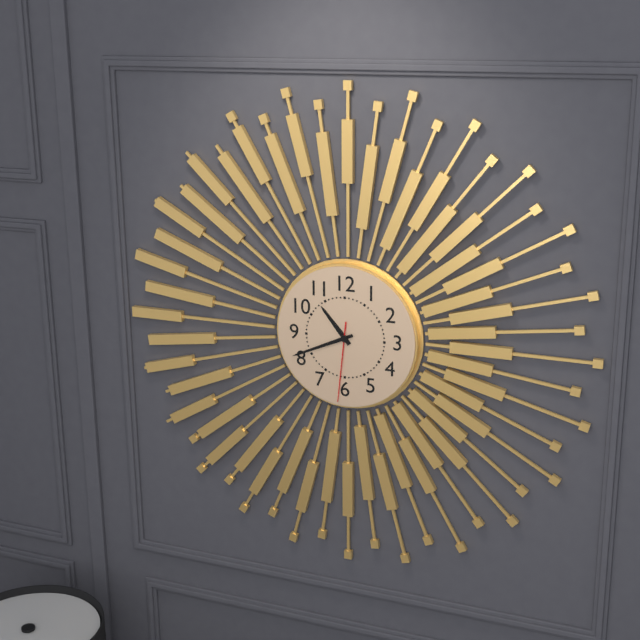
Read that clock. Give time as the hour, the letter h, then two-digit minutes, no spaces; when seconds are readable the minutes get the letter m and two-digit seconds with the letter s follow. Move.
10h41m31s
